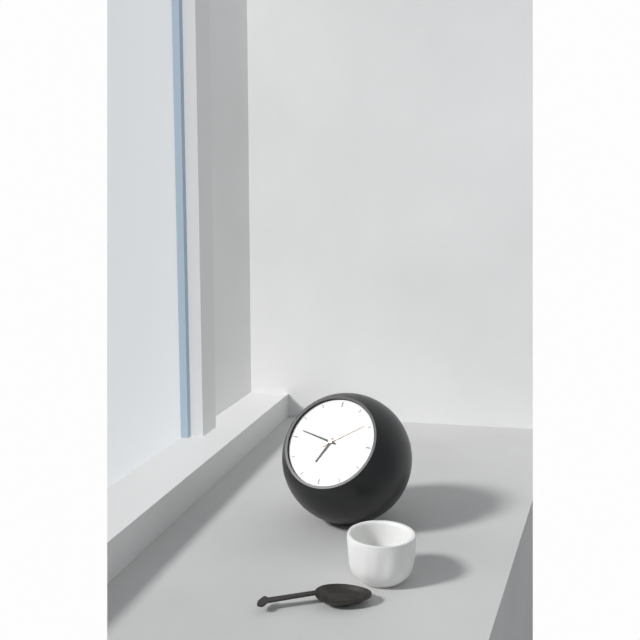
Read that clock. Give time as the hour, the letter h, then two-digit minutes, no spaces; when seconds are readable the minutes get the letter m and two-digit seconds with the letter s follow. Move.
6h47
